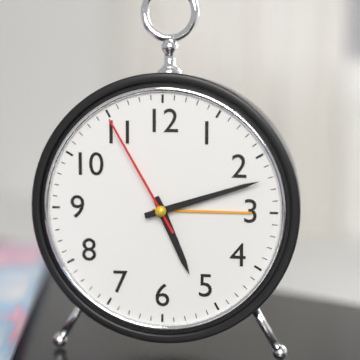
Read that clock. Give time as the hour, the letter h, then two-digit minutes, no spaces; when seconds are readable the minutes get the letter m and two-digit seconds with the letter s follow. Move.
5h12m55s
